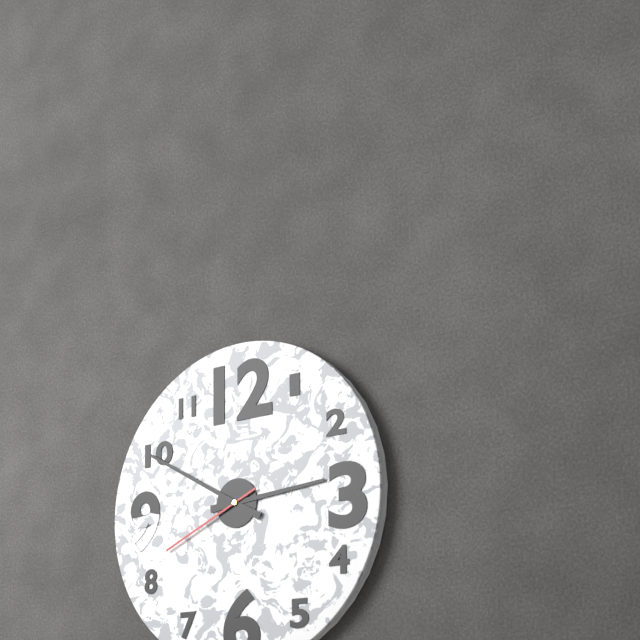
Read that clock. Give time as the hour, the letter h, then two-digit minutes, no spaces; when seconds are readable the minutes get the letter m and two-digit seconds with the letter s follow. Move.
2h50m41s
